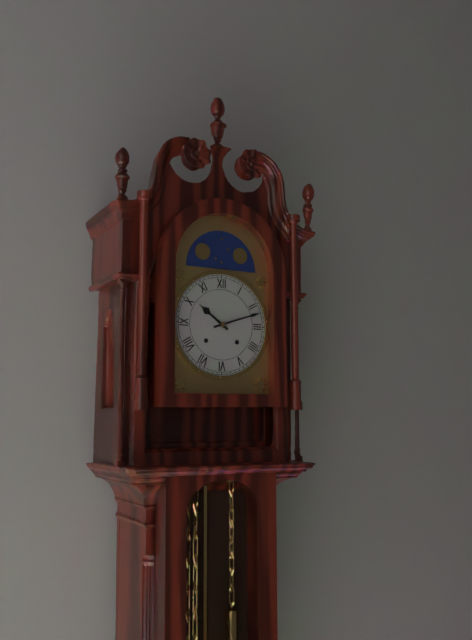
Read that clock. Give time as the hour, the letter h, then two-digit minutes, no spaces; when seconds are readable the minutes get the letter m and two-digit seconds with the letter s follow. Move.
10h12
